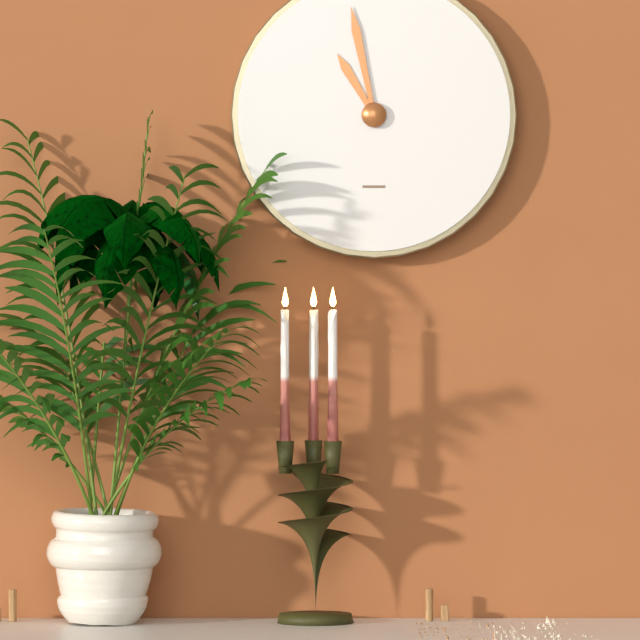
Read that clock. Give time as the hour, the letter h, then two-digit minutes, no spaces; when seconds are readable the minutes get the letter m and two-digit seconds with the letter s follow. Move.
10h58
